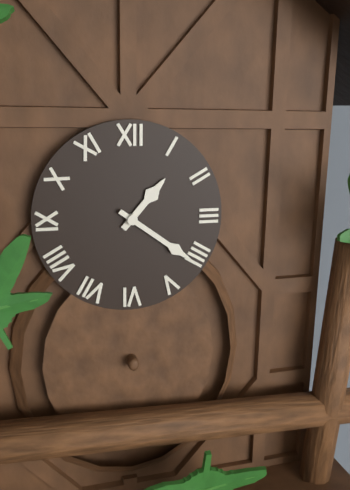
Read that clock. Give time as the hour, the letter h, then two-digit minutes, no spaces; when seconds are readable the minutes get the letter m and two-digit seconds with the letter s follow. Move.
1h21
